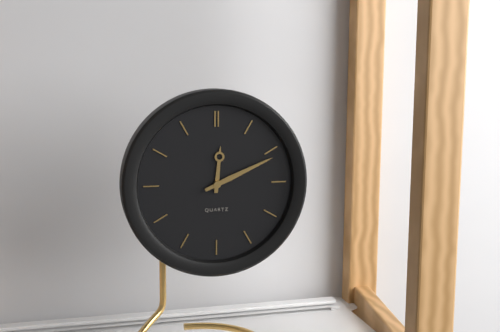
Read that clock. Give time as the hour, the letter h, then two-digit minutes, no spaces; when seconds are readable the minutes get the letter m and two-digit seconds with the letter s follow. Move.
12h11
